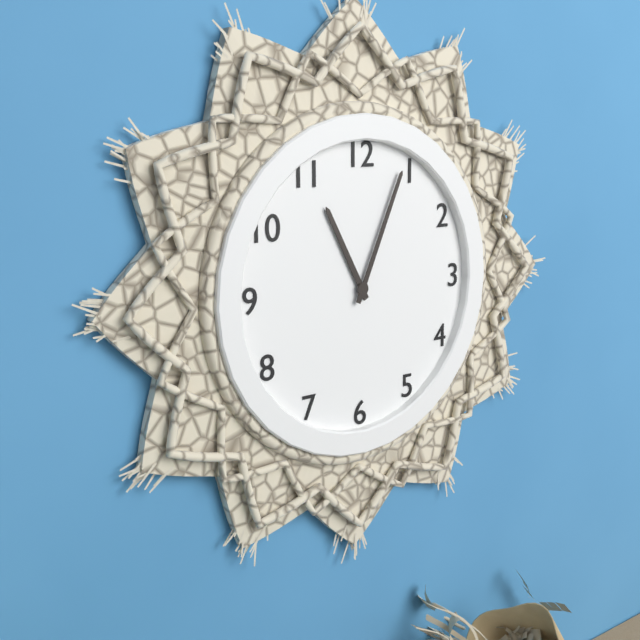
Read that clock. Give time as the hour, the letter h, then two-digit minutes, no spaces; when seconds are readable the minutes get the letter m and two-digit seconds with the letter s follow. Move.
11h04
